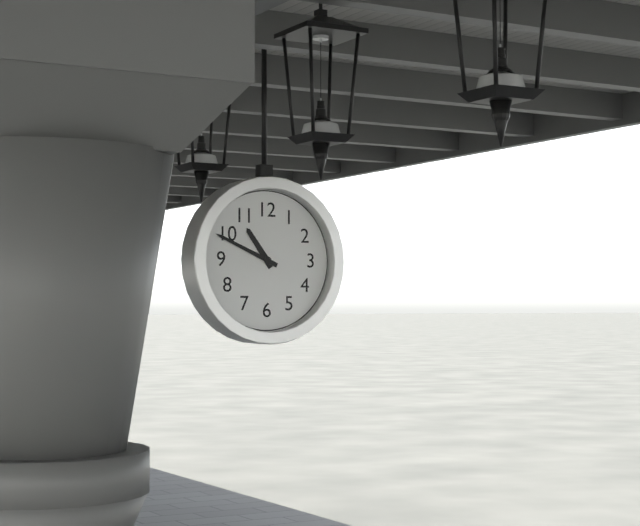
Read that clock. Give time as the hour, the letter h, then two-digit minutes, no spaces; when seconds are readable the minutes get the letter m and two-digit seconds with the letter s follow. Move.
10h49
